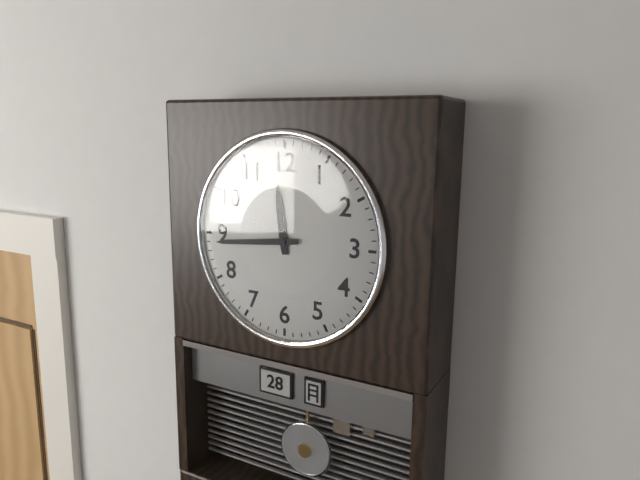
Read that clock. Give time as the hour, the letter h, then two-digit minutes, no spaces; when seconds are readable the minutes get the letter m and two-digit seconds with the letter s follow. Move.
11h44
